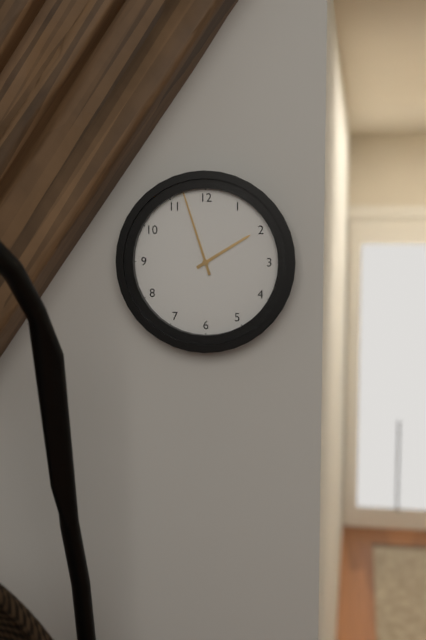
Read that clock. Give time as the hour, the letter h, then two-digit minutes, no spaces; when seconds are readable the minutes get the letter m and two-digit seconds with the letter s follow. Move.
1h57
